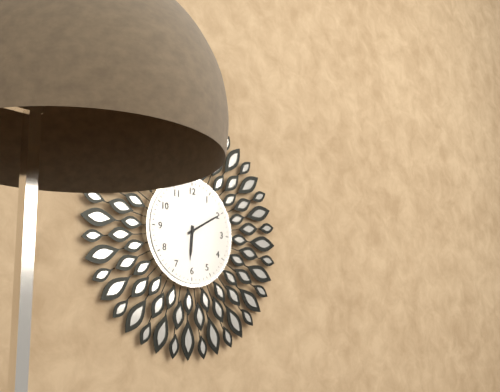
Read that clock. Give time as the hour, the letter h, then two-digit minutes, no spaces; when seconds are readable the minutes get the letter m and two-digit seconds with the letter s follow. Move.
6h10
